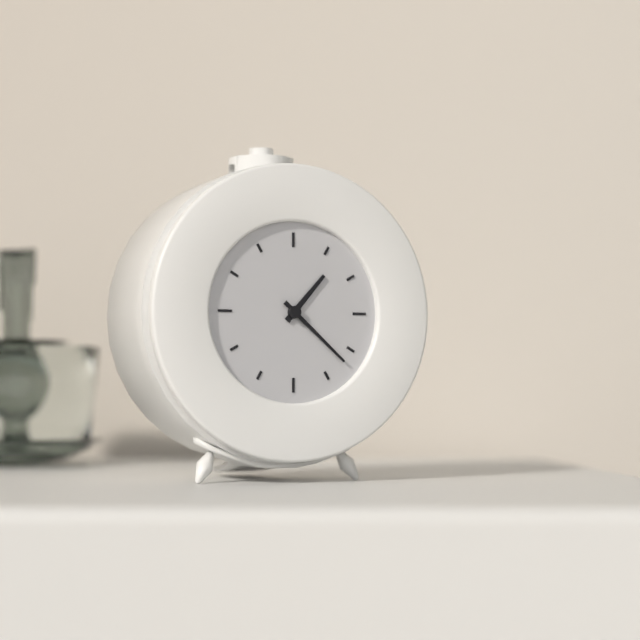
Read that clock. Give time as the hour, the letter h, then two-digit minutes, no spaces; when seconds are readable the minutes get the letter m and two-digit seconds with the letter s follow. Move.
1h22
